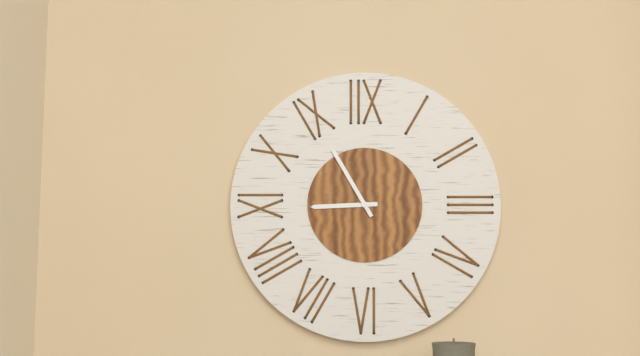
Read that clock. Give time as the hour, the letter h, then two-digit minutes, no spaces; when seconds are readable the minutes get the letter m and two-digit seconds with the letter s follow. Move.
8h55
